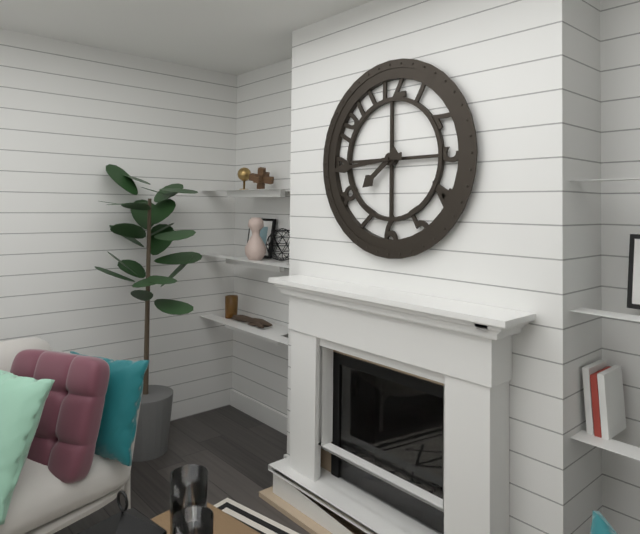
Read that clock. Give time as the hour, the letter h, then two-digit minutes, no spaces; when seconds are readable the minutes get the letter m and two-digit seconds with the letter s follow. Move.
7h44
